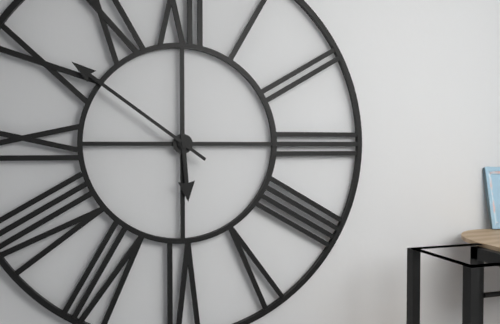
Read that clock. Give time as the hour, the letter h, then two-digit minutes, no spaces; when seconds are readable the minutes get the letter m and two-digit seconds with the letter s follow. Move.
5h51
